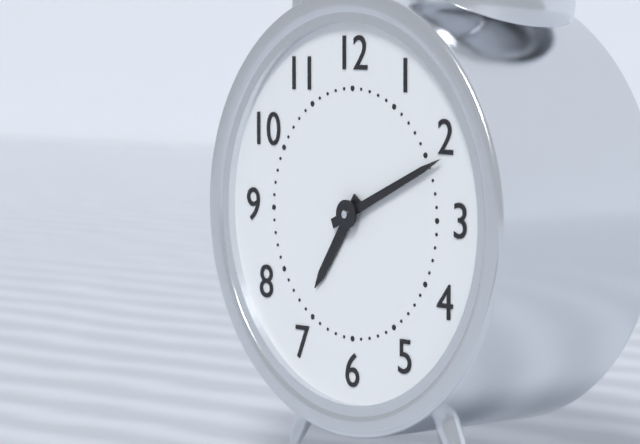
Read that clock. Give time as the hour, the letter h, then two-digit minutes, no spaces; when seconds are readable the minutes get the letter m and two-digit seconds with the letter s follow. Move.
7h11
